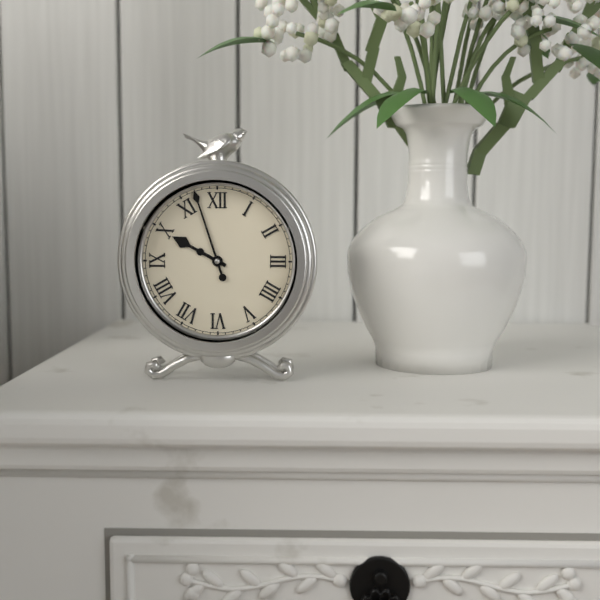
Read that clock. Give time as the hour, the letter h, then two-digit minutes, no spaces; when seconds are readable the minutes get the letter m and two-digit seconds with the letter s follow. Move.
9h57
